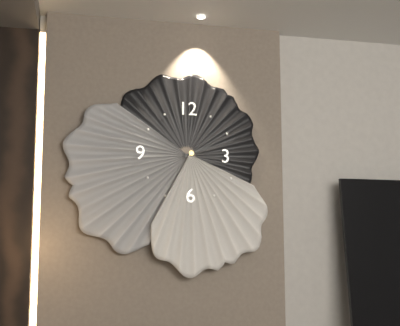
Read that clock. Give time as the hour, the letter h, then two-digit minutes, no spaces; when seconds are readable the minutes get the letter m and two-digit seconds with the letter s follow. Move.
2h12
